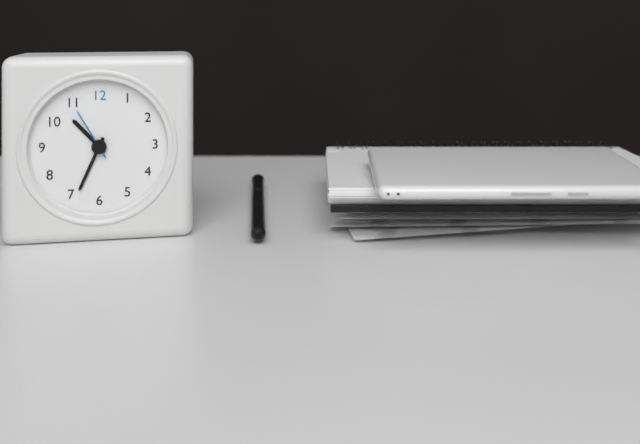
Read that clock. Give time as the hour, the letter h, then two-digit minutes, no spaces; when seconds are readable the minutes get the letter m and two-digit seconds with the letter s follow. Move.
10h34m55s
